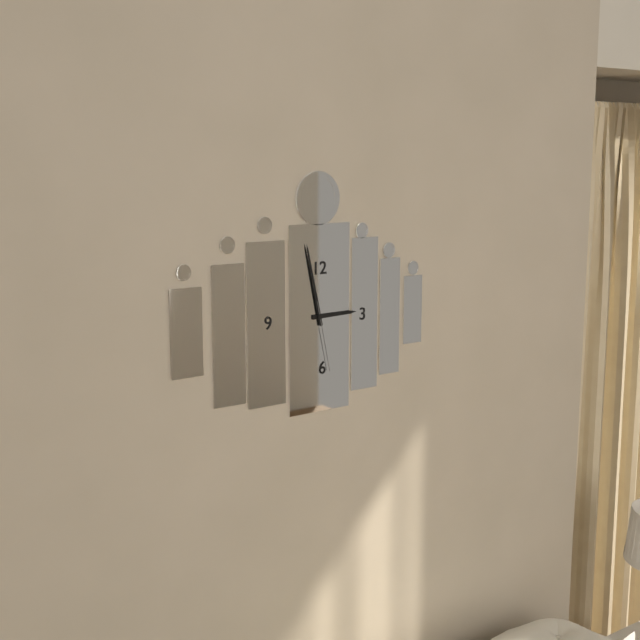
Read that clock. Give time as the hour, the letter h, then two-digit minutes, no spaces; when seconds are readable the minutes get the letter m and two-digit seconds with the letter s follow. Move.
2h58m28s
